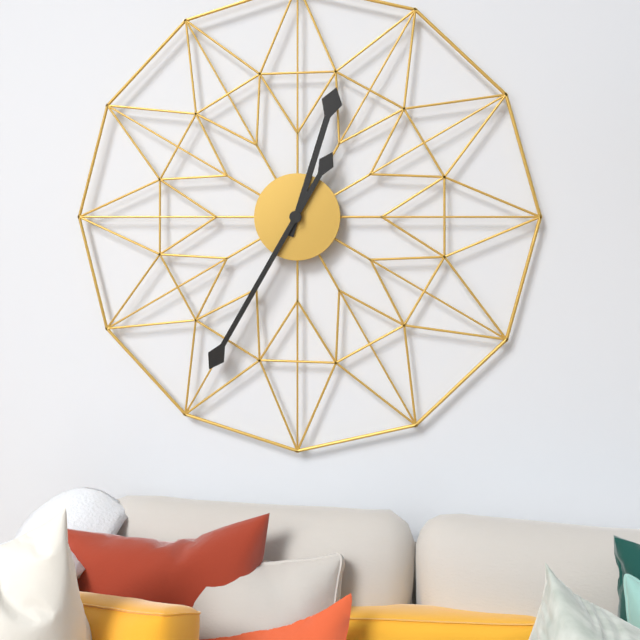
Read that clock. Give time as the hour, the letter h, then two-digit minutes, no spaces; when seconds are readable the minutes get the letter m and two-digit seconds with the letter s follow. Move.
12h35
